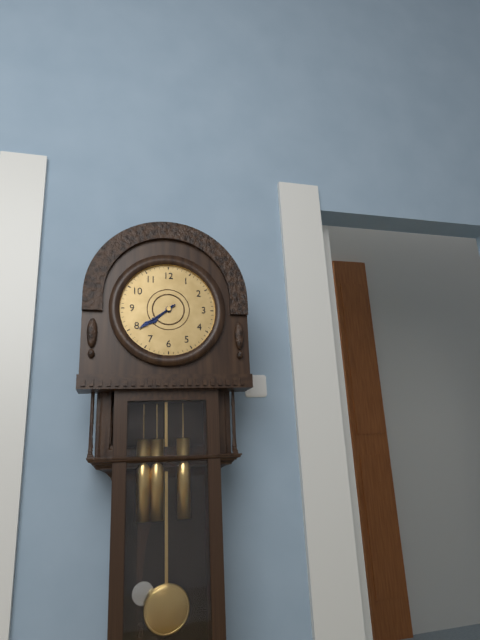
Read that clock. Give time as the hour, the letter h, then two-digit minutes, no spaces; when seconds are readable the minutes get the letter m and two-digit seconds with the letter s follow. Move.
7h39
